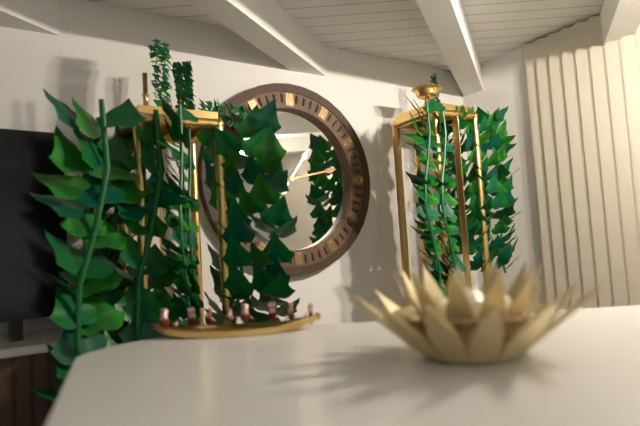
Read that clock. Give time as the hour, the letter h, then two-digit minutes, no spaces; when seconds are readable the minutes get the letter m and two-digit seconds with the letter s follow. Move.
1h13
